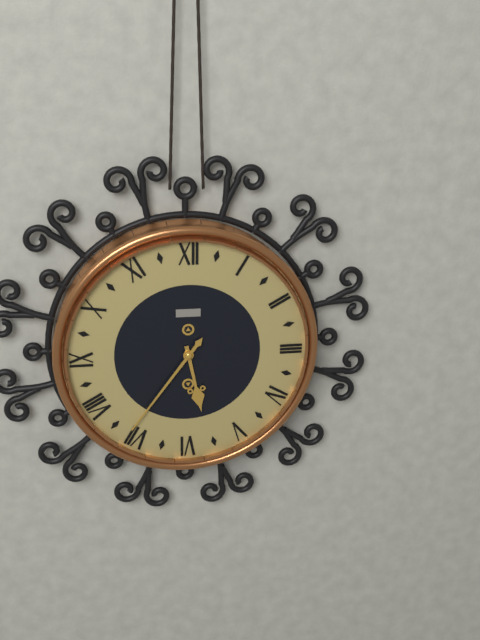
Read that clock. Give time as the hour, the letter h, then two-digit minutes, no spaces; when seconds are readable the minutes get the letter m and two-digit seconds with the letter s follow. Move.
5h36
